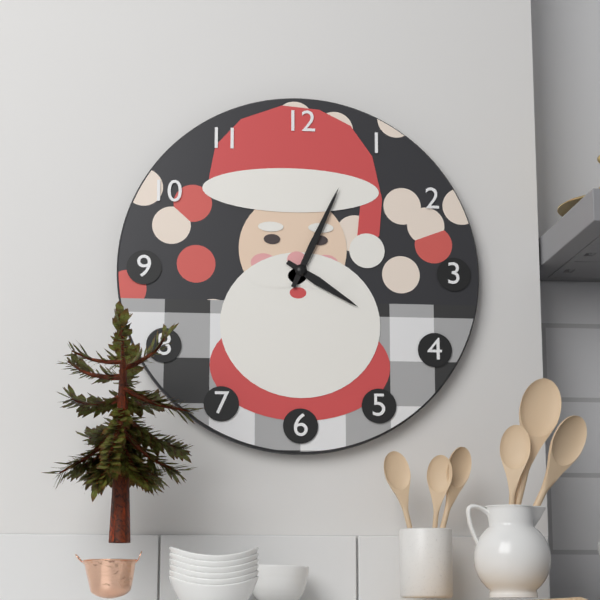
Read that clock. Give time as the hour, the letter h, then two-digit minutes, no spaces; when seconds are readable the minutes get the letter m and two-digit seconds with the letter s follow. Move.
4h04
